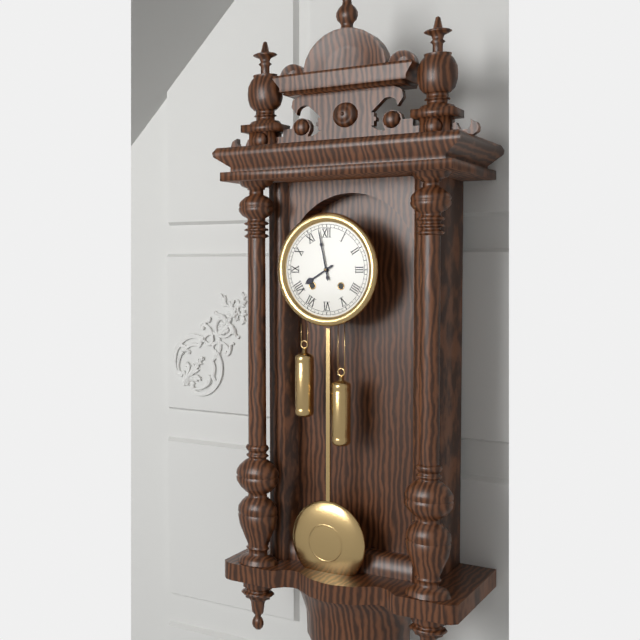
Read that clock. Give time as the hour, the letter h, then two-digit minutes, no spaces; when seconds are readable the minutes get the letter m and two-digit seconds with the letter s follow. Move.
7h58
